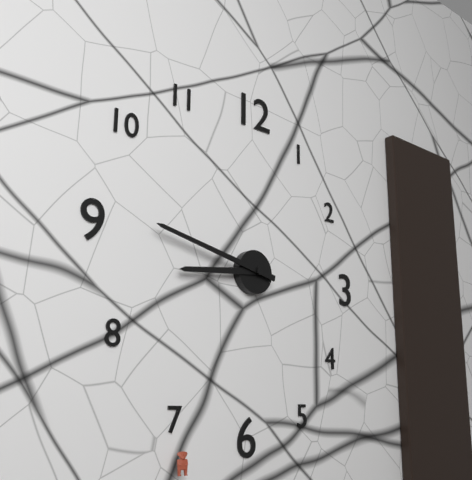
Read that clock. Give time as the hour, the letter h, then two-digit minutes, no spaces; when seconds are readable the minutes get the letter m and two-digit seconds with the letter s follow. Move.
8h47
